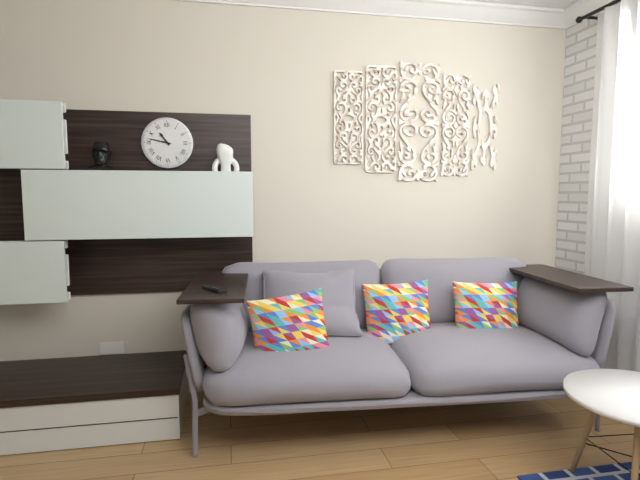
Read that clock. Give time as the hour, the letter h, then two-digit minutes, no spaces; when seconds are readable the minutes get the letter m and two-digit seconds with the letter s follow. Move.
10h47
